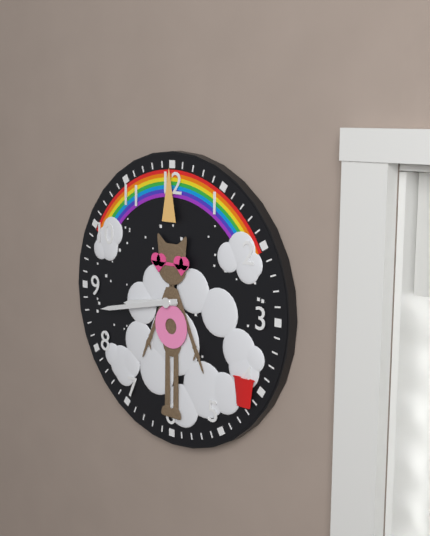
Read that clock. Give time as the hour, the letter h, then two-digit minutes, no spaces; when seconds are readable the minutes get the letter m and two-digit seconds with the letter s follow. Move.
8h43
